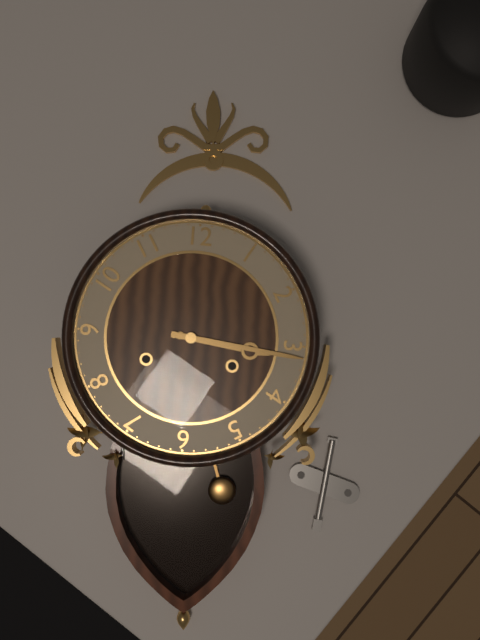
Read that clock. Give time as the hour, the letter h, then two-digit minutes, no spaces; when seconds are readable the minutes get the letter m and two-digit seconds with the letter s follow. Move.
3h16
